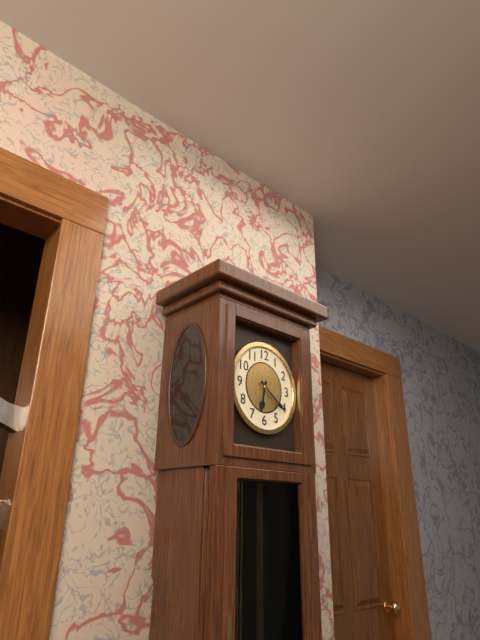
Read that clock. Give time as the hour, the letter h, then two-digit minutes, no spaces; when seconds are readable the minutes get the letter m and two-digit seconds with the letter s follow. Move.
6h21
